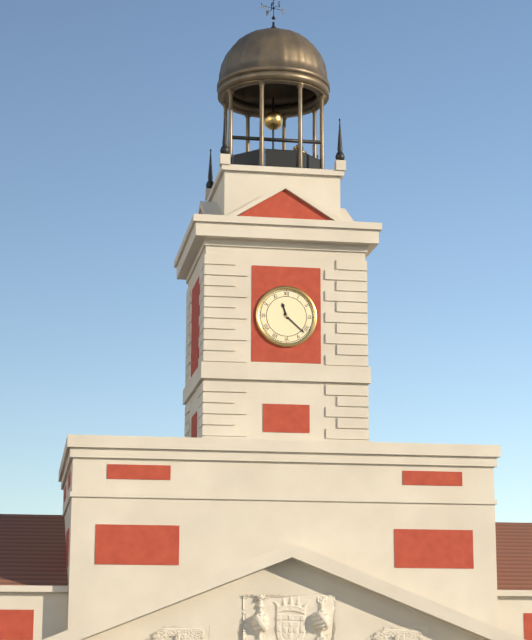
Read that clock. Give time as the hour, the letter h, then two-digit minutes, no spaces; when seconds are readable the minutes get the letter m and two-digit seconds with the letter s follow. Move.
11h22
